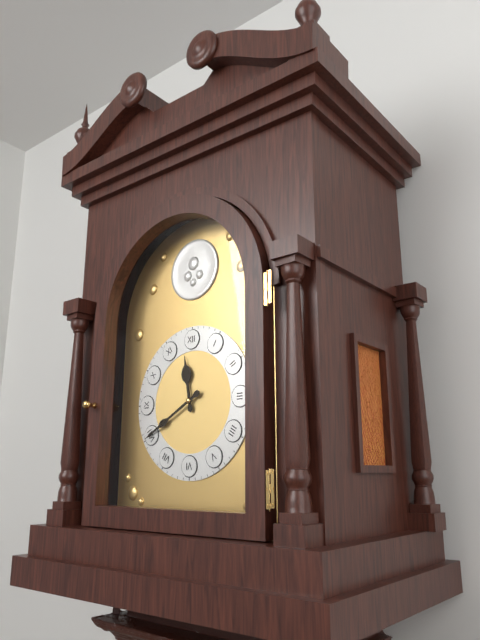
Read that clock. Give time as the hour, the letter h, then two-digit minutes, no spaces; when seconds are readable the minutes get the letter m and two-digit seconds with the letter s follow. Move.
11h40
